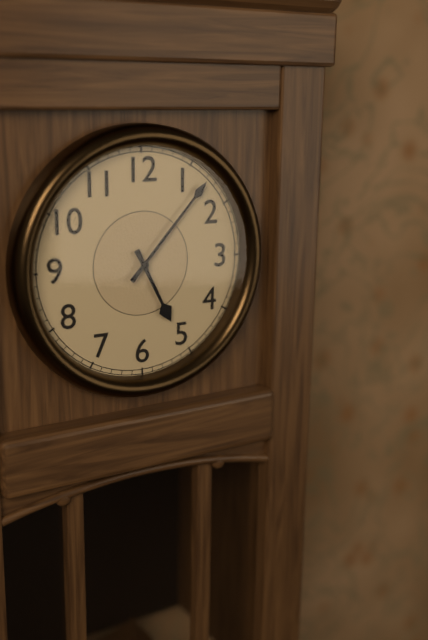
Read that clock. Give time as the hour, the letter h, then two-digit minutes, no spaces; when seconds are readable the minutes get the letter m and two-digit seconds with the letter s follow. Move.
5h07
